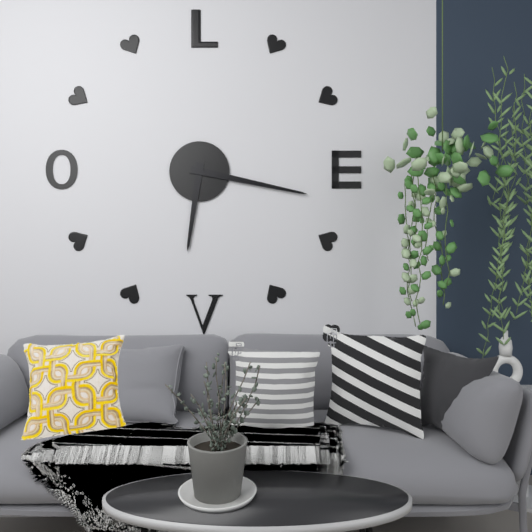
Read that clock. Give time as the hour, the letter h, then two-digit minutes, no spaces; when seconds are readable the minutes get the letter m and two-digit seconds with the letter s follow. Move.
6h17
